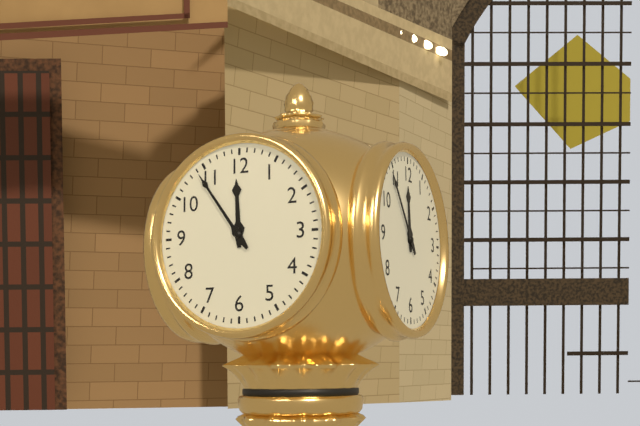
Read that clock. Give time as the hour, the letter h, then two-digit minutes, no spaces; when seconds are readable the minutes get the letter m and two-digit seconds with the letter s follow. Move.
11h54
